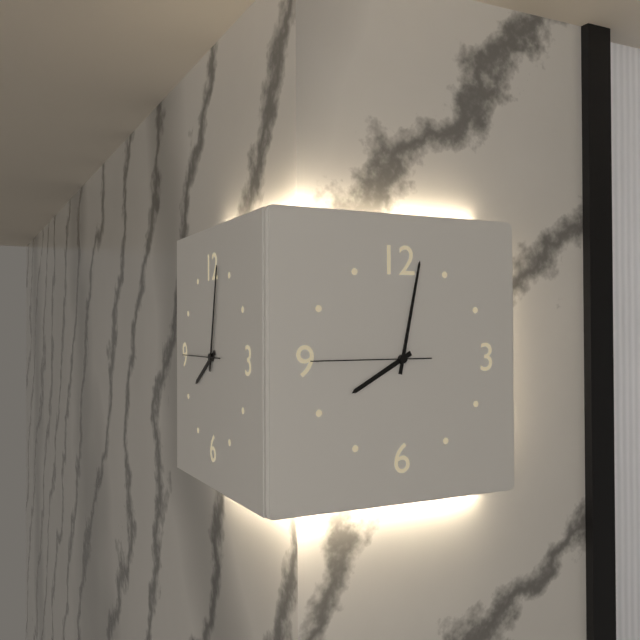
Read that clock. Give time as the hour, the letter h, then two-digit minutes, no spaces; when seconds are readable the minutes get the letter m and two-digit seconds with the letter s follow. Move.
8h02m45s
